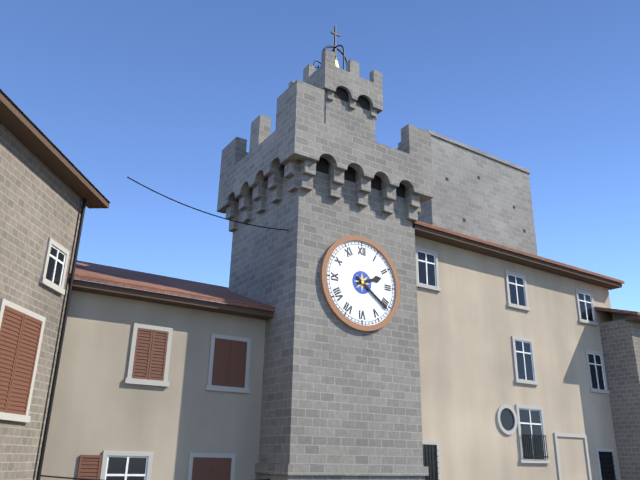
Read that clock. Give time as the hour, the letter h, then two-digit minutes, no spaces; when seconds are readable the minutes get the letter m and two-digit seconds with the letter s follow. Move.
2h21
